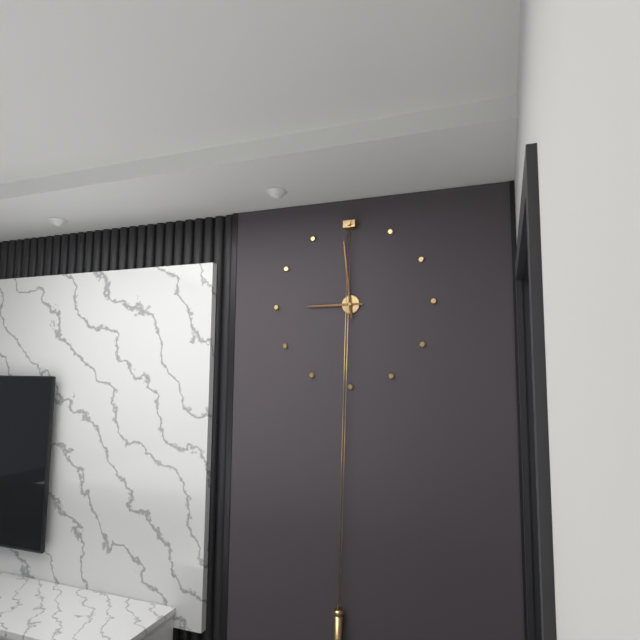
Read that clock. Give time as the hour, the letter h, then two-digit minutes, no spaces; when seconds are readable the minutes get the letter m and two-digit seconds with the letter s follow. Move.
8h59
